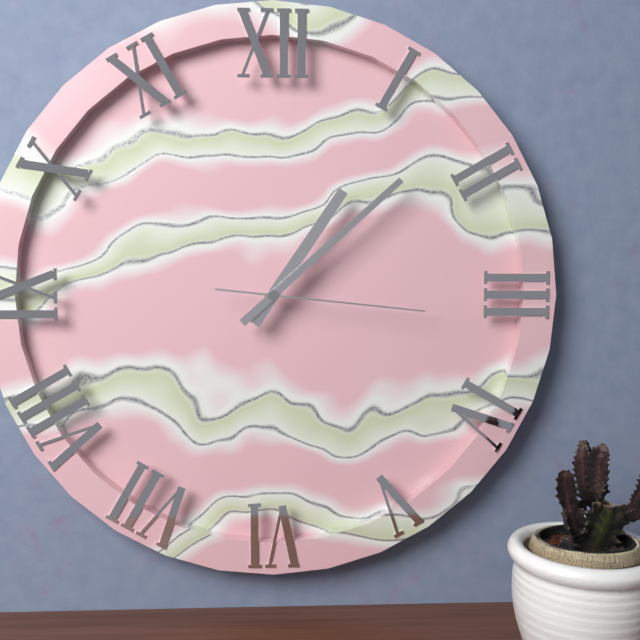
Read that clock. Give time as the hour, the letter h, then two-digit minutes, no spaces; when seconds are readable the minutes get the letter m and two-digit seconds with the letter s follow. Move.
1h08m16s
